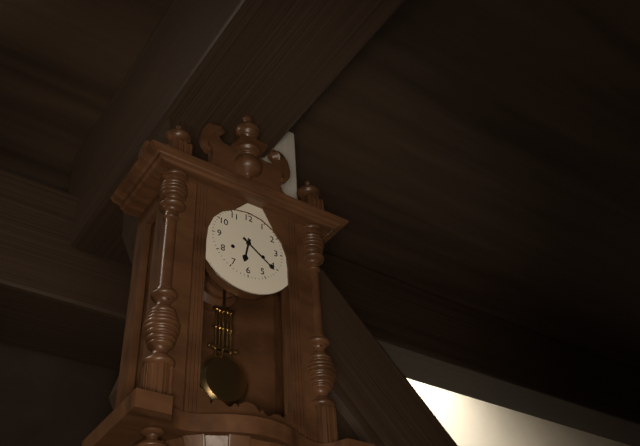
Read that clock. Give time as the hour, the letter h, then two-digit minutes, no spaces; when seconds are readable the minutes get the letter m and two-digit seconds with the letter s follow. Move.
6h21
